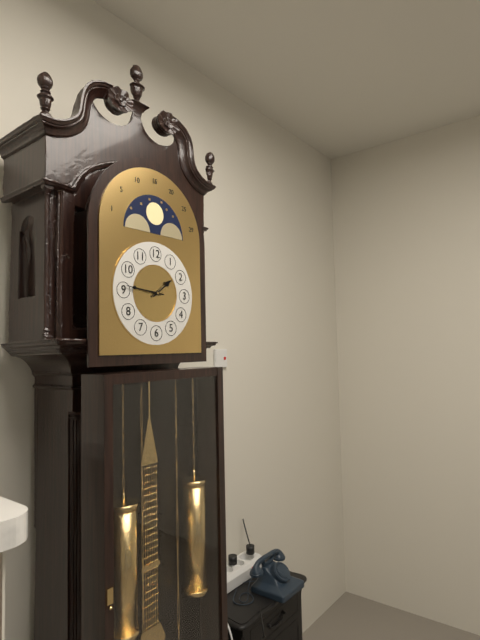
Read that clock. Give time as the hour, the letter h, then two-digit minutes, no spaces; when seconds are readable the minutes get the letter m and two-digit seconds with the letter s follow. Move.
1h46
